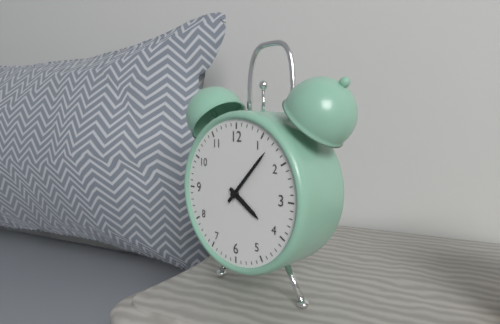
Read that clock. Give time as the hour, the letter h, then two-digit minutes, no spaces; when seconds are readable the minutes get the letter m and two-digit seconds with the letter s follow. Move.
4h07
